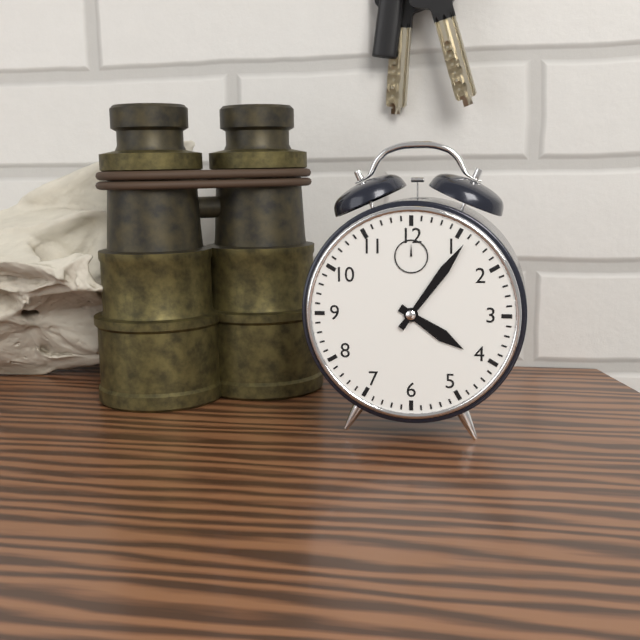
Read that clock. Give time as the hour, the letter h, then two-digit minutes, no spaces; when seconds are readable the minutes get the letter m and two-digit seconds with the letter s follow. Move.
4h06
